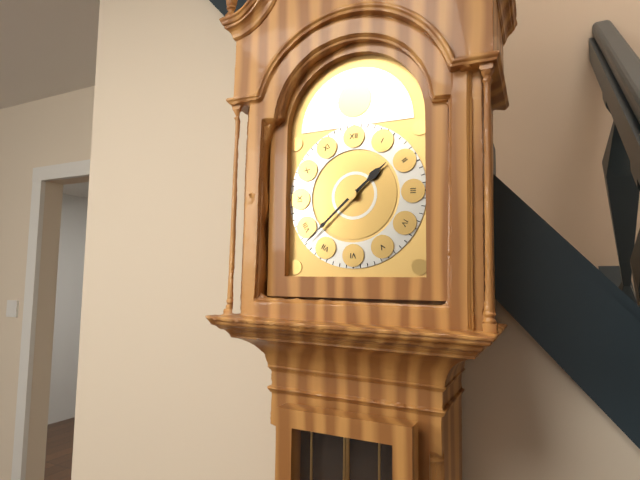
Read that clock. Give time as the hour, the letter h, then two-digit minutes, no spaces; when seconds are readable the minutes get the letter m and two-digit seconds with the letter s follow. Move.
1h38
